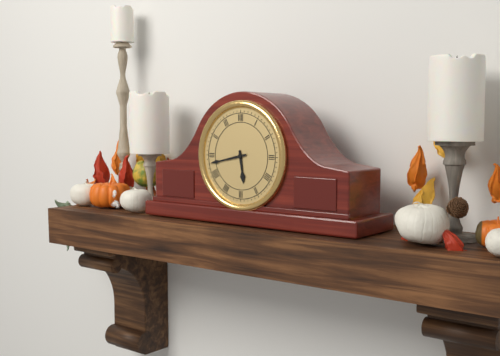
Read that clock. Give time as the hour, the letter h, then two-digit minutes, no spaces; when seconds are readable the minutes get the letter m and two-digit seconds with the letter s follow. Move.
5h43
